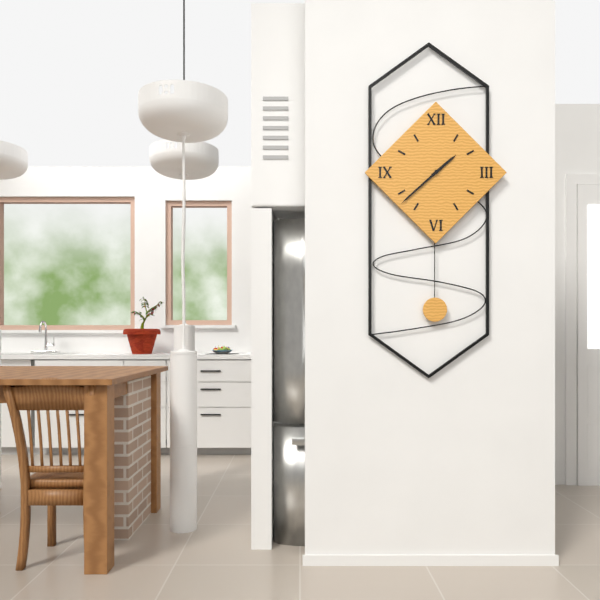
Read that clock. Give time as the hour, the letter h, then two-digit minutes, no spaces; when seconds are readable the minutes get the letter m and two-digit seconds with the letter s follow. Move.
1h38
